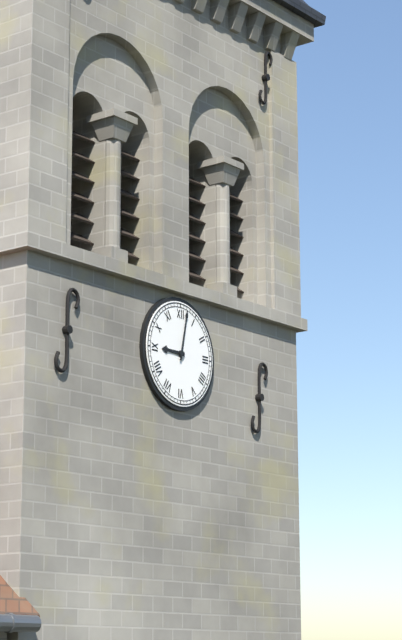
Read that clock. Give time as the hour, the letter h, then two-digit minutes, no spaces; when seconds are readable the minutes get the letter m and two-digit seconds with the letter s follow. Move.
9h02
